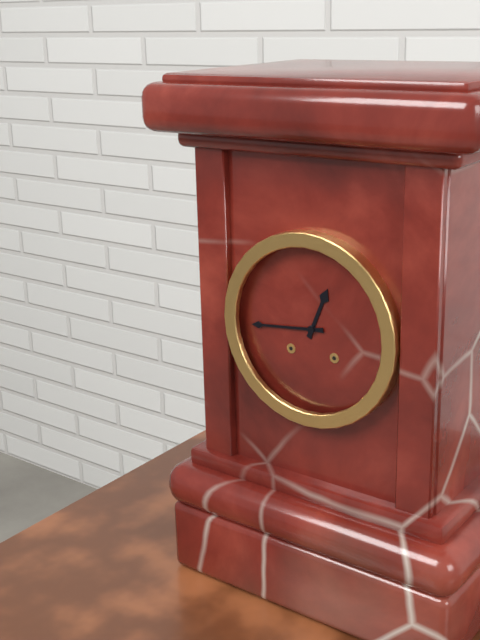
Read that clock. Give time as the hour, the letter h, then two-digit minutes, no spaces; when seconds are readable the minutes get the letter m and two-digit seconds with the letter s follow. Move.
12h44
